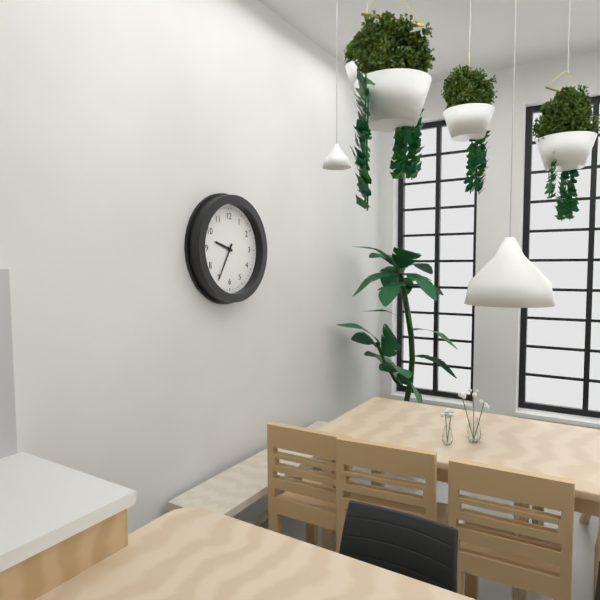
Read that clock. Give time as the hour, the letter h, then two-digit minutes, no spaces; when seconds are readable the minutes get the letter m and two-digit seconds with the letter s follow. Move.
9h35
